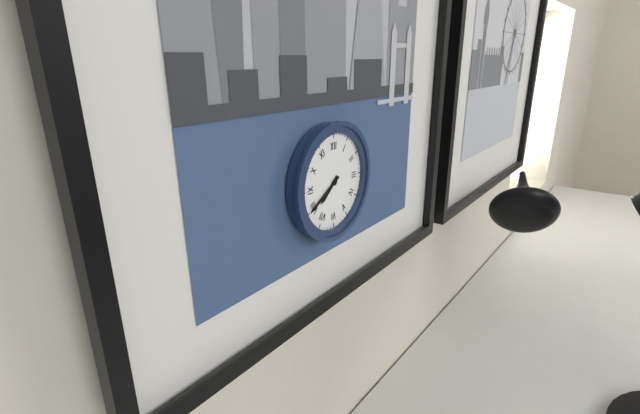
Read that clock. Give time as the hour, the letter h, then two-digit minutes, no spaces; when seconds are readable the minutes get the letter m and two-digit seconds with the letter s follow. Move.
7h40
